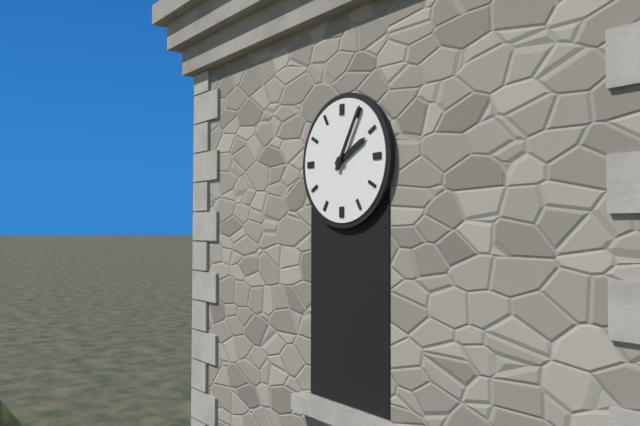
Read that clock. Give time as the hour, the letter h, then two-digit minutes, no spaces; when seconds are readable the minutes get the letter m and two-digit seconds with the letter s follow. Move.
2h05
